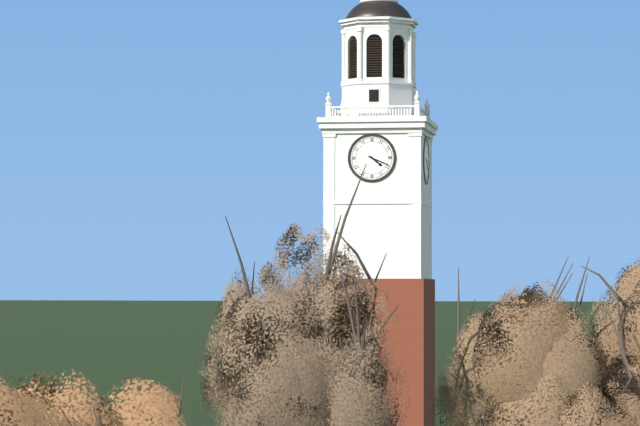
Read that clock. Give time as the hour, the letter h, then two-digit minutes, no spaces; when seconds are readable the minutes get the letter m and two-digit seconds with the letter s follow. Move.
4h19
